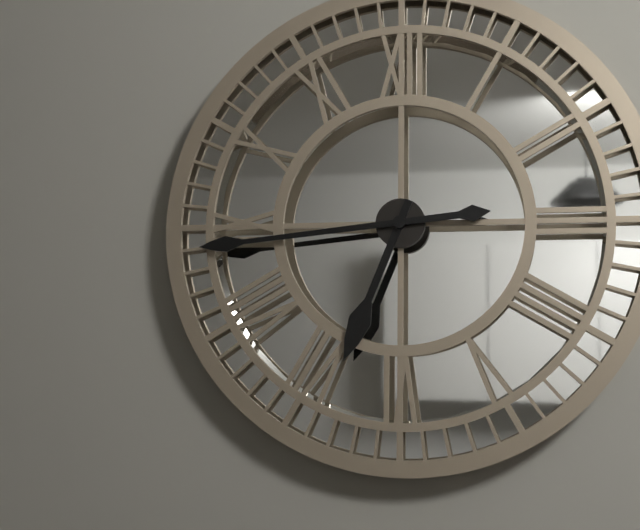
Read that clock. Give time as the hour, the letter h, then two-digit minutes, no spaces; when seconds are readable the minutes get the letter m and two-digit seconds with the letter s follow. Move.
6h44
